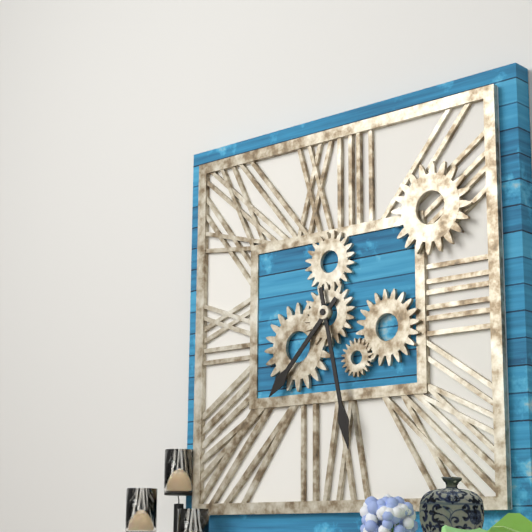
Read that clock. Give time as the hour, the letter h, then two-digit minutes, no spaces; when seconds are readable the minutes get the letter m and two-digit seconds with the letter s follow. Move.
7h28
